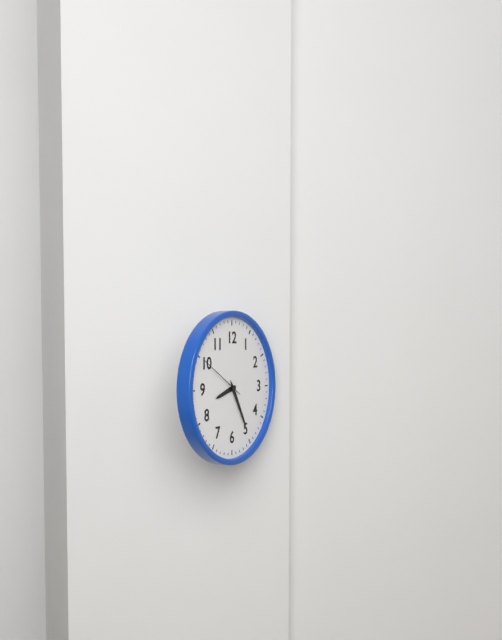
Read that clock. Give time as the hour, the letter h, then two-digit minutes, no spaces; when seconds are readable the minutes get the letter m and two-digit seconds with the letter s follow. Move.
8h25m50s
